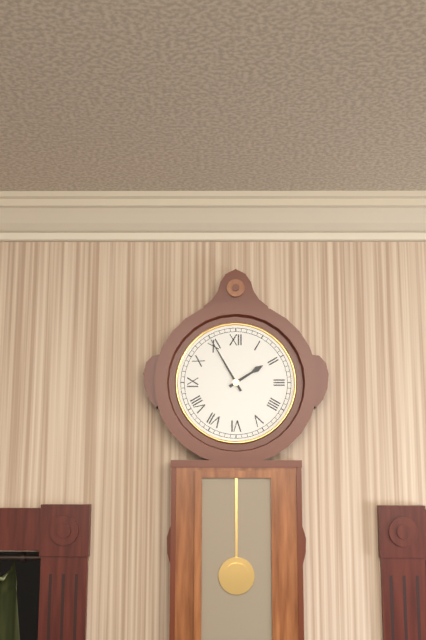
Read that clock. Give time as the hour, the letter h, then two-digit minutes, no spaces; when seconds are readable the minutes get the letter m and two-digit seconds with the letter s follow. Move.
1h55
